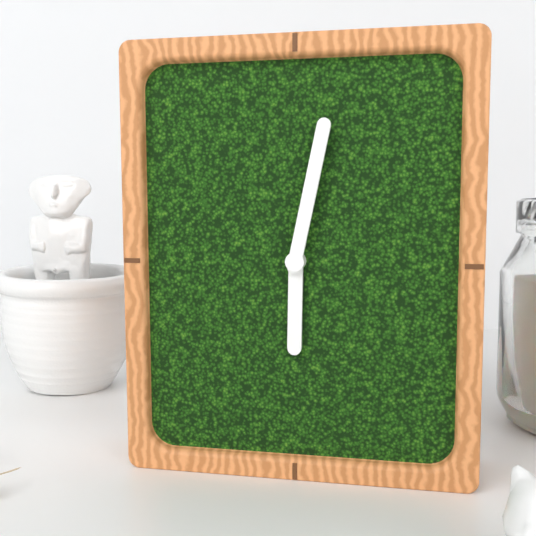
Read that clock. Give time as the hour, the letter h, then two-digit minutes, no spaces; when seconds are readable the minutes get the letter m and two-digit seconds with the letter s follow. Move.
6h02
